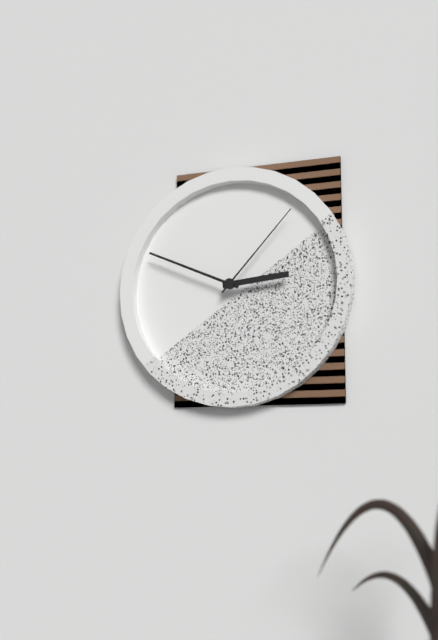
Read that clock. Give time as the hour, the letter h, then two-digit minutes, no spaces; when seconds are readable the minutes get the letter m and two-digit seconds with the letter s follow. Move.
2h49m07s
